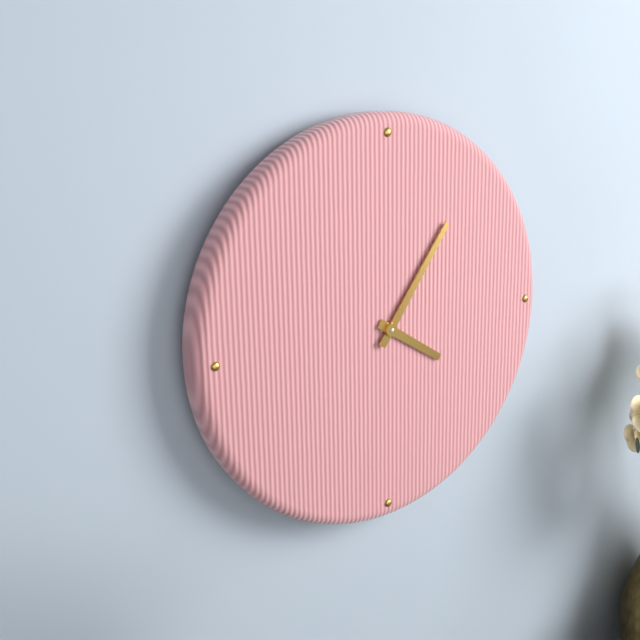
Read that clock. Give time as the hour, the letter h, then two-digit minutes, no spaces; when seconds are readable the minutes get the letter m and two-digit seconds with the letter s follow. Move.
4h06
